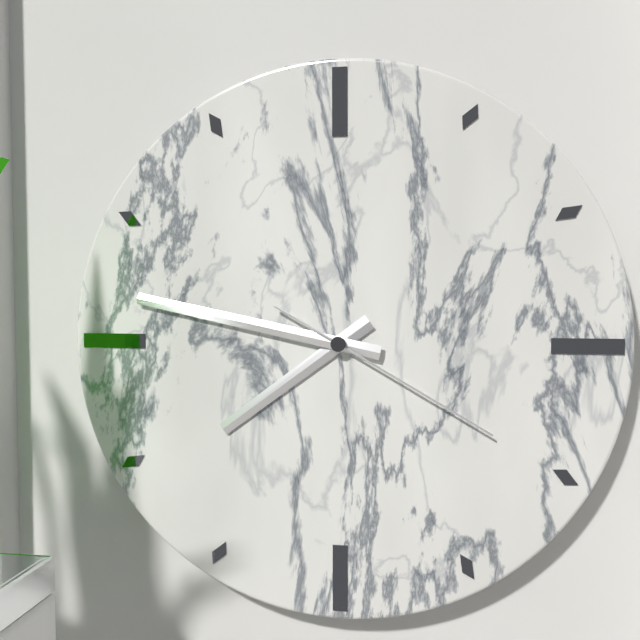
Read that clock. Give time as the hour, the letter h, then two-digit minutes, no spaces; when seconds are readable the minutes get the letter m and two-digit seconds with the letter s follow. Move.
7h47m20s
